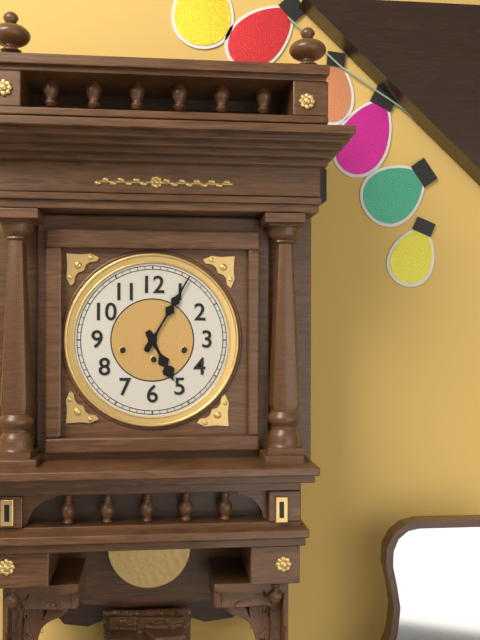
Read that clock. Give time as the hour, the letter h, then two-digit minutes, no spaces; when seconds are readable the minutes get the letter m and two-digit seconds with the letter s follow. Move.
5h05
